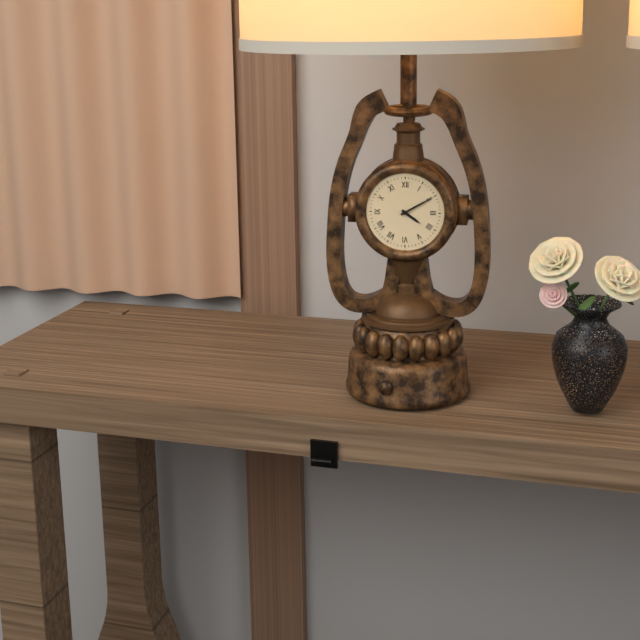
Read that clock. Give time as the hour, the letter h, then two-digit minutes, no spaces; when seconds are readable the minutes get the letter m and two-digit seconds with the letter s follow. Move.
4h10
